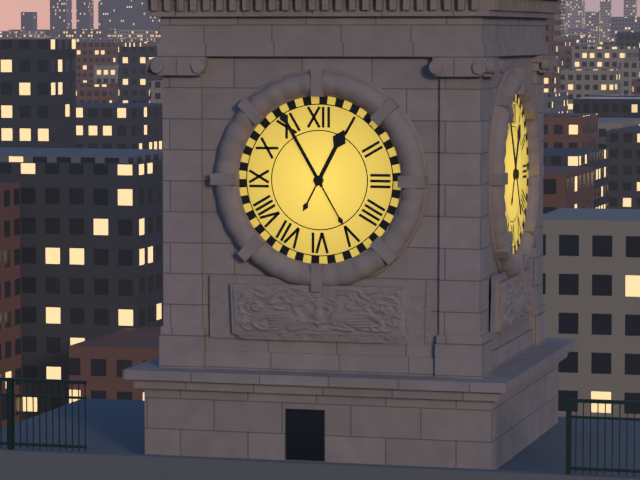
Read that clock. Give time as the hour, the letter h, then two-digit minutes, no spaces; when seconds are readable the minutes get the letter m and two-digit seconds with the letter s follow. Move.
12h55
